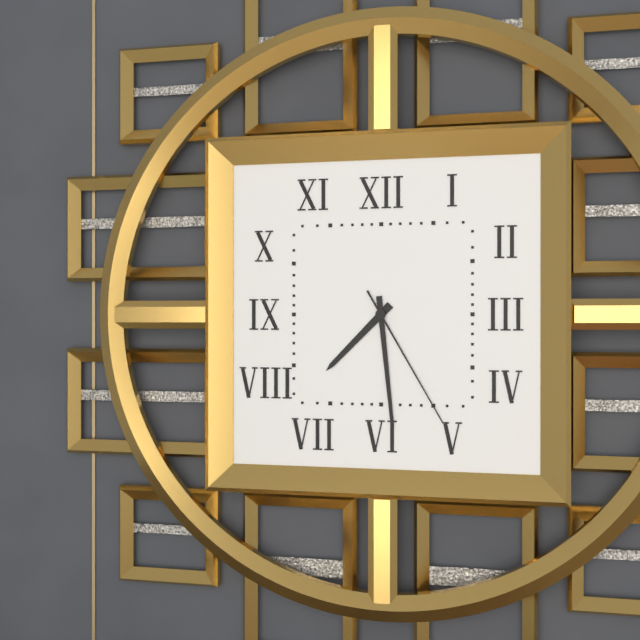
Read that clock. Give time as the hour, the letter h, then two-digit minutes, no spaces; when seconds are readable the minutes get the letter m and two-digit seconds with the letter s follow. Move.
7h29m25s
